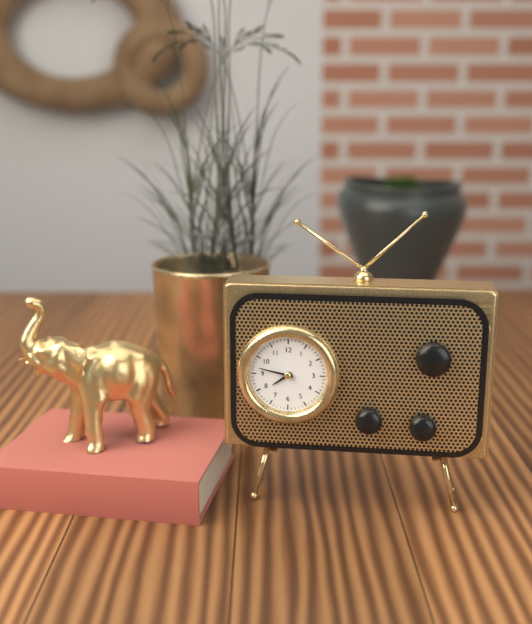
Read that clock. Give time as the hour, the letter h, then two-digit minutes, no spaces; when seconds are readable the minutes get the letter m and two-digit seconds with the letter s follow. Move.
7h47
